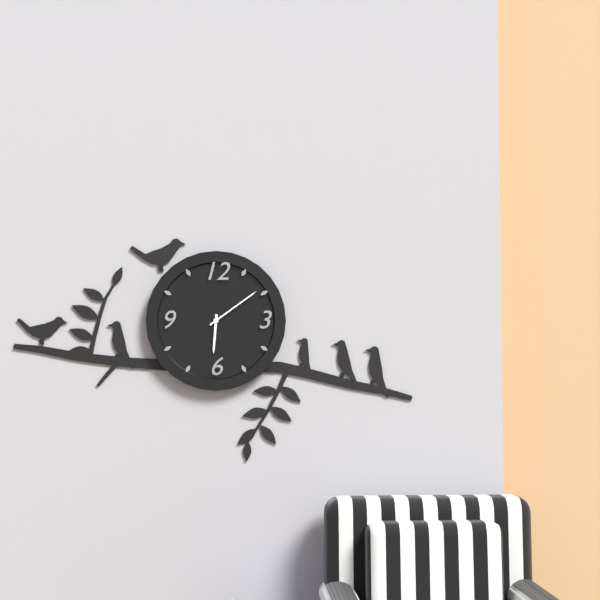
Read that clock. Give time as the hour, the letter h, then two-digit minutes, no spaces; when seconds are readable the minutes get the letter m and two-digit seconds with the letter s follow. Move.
6h09
